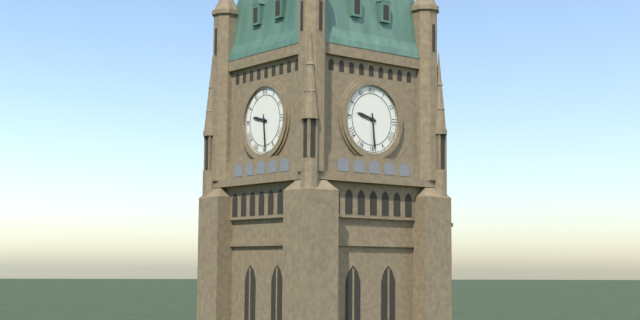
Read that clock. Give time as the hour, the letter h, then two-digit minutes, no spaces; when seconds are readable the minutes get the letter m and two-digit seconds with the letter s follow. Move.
9h29
